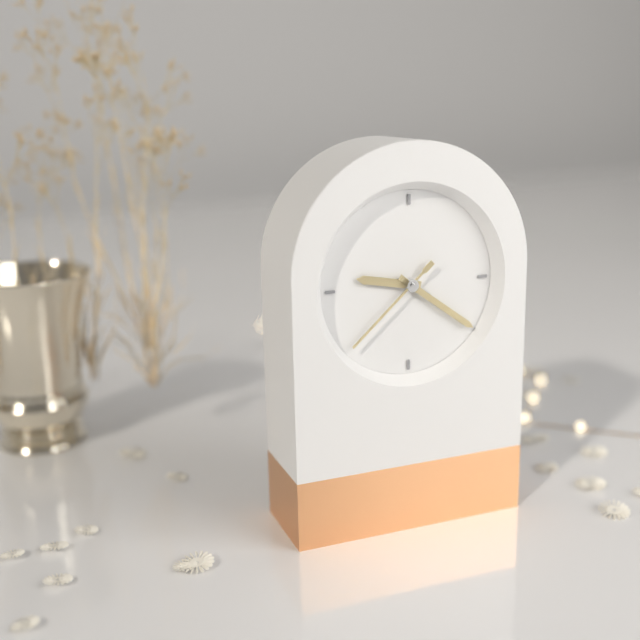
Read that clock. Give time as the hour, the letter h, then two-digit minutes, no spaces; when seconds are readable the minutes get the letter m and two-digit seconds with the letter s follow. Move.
9h21m38s
